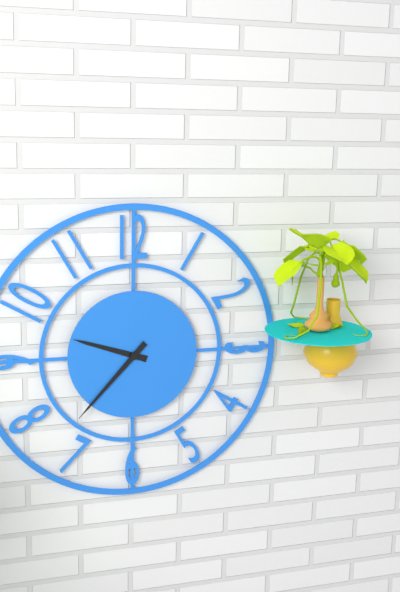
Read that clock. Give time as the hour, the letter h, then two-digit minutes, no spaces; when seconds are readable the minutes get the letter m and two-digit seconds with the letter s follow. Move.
9h37
